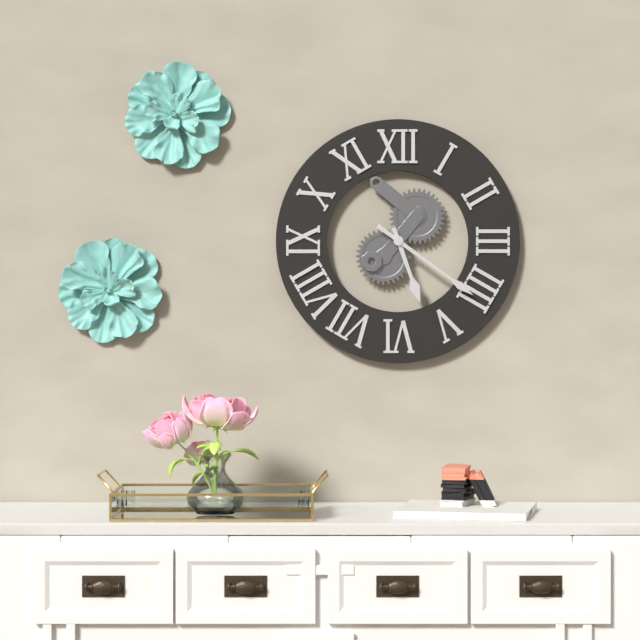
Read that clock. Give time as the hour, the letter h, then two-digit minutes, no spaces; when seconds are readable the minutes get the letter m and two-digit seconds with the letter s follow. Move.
5h21
